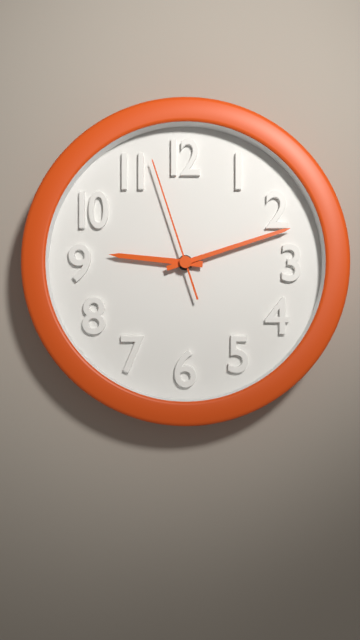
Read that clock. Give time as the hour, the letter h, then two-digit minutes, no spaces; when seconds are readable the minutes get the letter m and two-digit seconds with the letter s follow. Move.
9h12m57s
